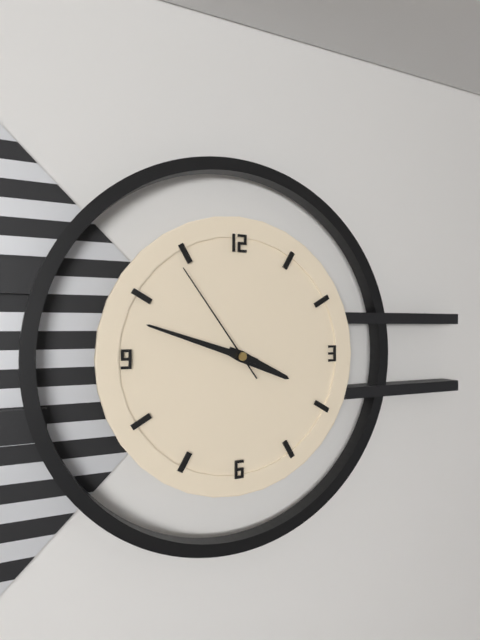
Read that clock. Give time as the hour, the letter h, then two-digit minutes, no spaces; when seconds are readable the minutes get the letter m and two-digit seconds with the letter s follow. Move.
3h48m54s
